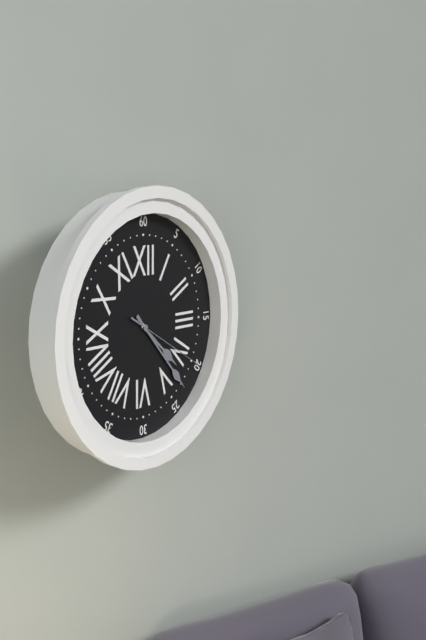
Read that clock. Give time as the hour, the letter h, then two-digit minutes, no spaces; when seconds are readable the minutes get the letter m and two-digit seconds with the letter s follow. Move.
4h23m20s
